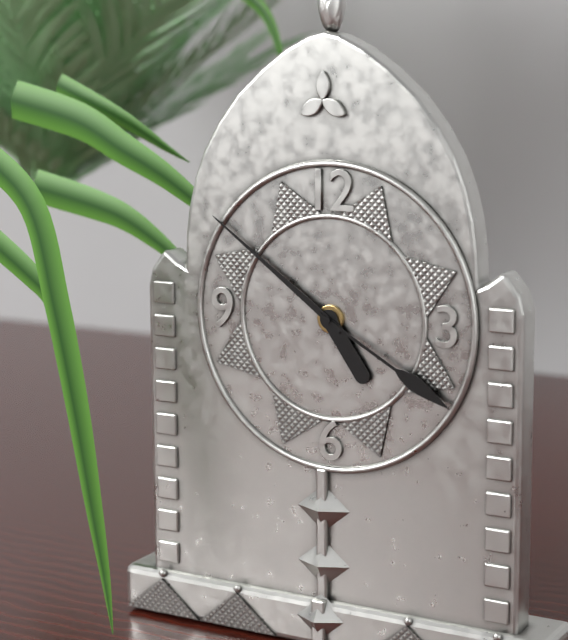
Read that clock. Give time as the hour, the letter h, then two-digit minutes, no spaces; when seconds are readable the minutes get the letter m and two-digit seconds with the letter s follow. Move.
4h51m20s
